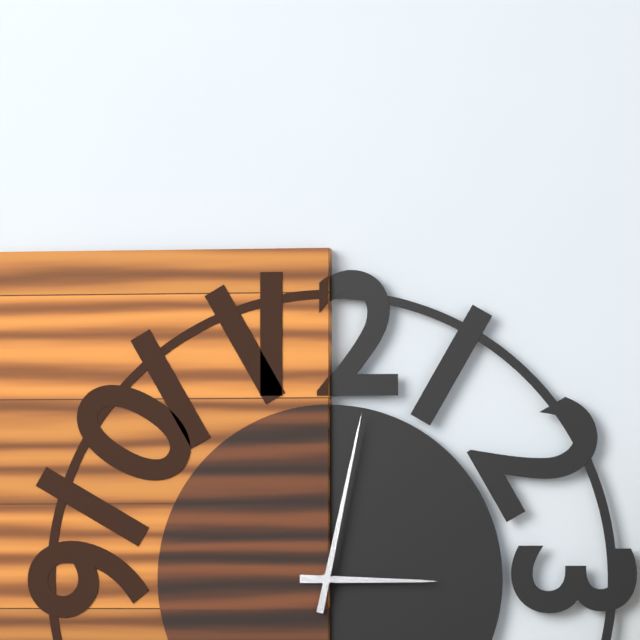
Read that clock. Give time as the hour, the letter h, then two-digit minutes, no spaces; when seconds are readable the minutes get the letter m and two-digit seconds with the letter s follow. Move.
3h02
